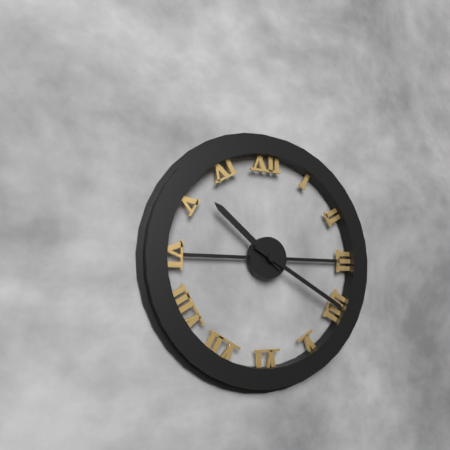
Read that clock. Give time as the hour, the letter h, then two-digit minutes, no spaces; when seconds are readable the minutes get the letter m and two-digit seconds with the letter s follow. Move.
10h20
